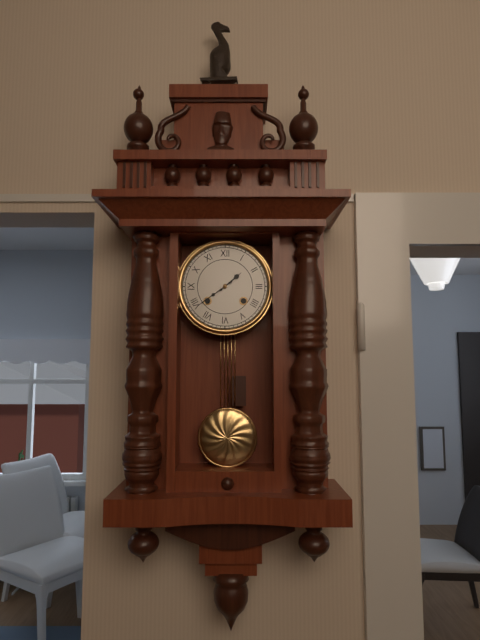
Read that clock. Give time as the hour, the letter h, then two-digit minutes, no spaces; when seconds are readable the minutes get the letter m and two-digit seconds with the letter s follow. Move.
1h39
